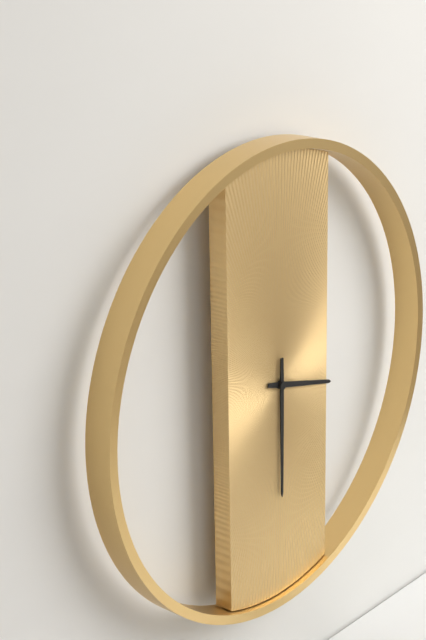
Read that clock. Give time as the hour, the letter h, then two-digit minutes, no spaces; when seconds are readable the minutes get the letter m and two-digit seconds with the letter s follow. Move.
3h30
